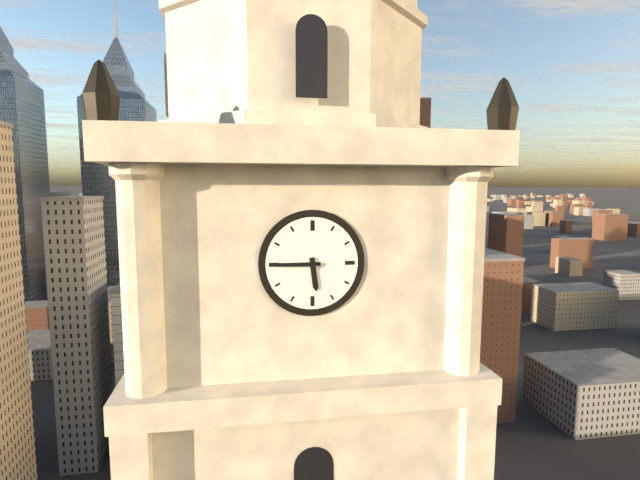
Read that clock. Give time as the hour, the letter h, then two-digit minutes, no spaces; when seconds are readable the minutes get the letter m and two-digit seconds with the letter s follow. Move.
5h45
